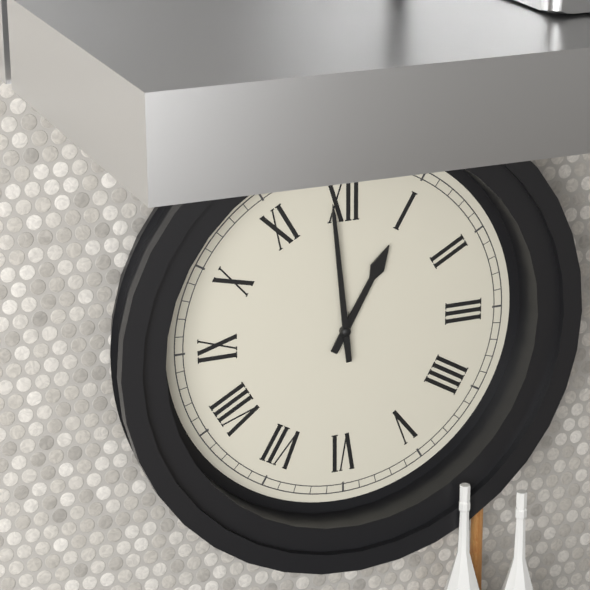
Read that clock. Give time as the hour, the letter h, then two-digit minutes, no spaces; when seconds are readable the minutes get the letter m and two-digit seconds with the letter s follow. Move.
12h59
